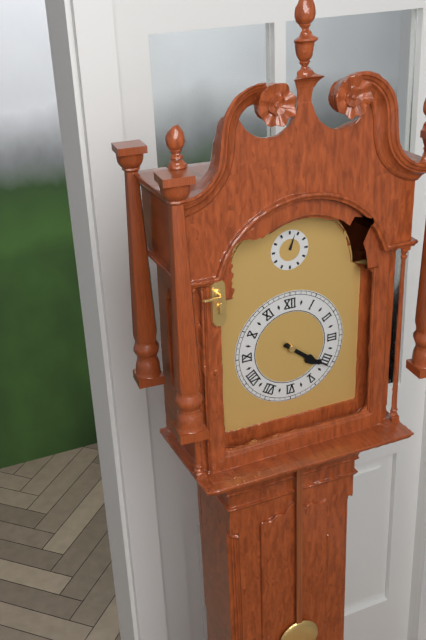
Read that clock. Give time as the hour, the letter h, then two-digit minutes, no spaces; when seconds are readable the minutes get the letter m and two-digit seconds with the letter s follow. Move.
4h21
